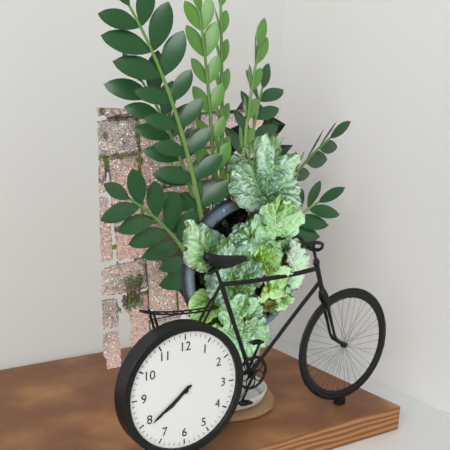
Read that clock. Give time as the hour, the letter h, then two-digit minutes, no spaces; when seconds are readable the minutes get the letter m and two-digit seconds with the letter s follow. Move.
7h39
